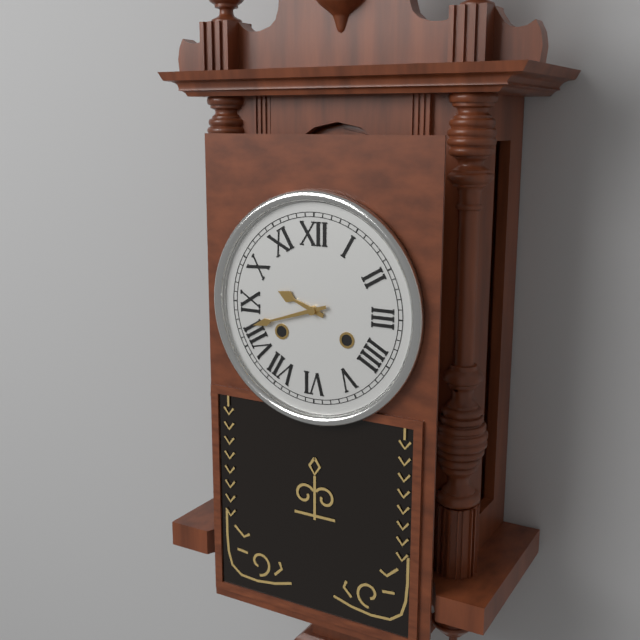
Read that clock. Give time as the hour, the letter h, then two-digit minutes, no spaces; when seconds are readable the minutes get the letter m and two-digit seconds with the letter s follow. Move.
9h42
